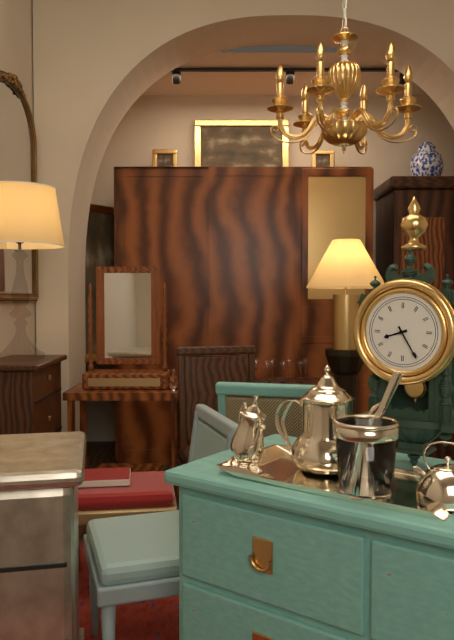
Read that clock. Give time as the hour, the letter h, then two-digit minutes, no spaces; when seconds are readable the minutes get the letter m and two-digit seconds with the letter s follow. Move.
8h25
